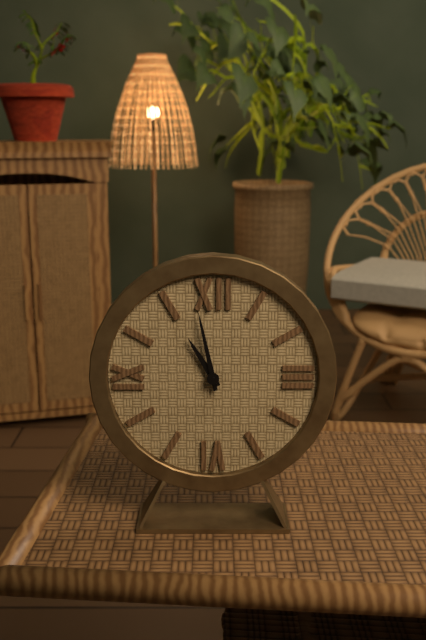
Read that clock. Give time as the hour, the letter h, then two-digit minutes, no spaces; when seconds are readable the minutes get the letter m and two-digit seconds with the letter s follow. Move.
10h58
